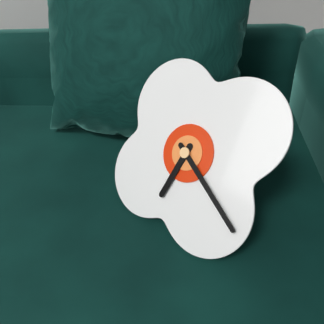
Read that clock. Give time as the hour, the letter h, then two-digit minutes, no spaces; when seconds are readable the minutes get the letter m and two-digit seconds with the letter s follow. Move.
6h20
